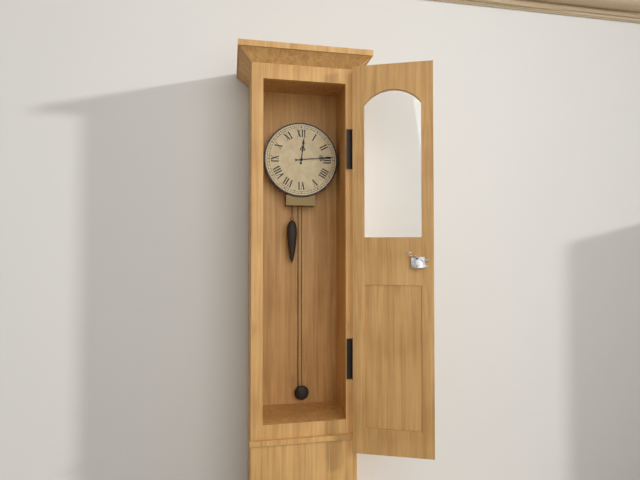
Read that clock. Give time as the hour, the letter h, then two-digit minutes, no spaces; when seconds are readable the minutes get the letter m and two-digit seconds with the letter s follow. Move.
12h14
